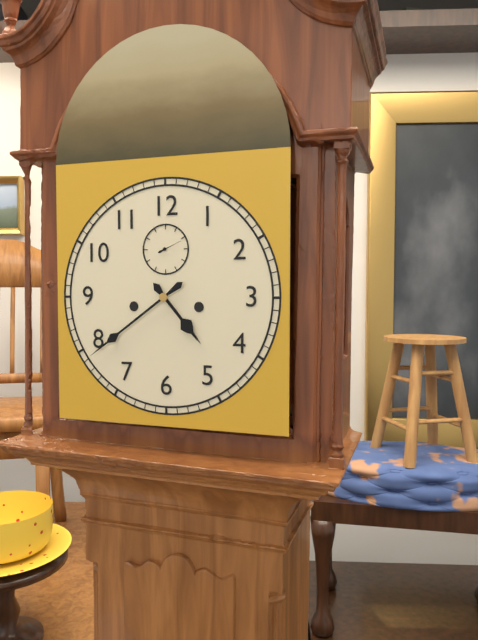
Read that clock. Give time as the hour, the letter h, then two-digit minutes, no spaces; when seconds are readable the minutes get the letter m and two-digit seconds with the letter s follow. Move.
4h39
